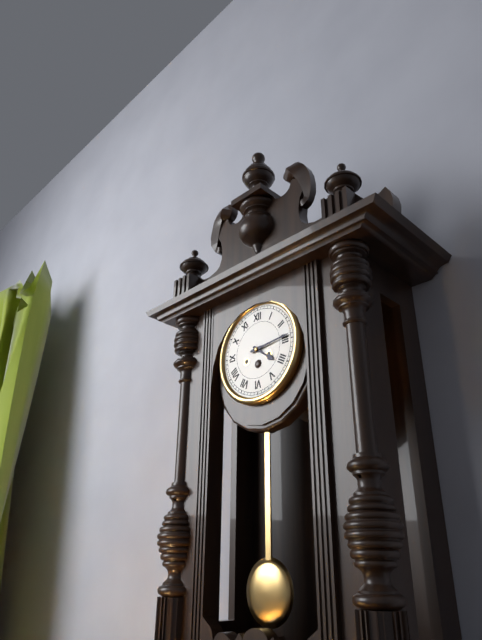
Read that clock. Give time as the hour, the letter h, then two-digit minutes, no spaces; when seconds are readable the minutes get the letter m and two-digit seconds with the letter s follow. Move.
4h14
